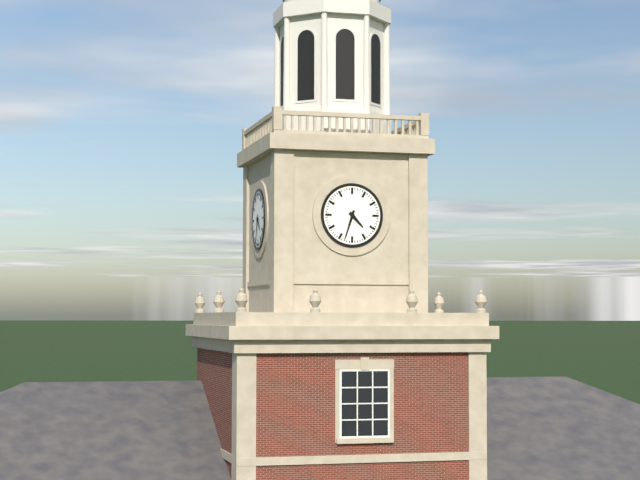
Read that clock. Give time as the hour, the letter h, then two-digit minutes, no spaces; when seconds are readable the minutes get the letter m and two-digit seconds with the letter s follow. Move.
4h33
